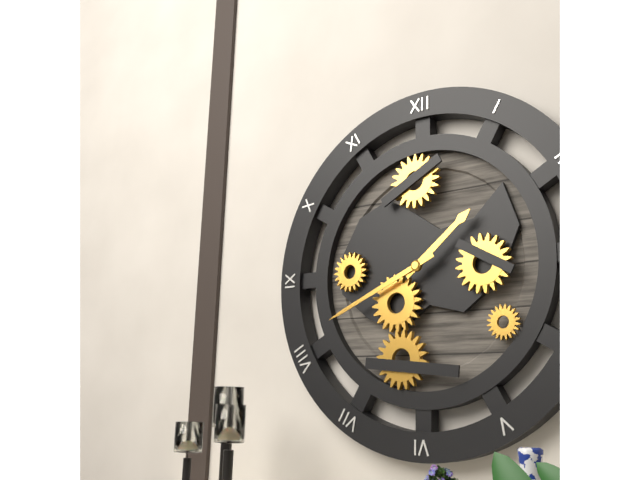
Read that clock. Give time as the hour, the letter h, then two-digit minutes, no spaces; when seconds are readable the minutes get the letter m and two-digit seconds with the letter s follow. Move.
1h41
